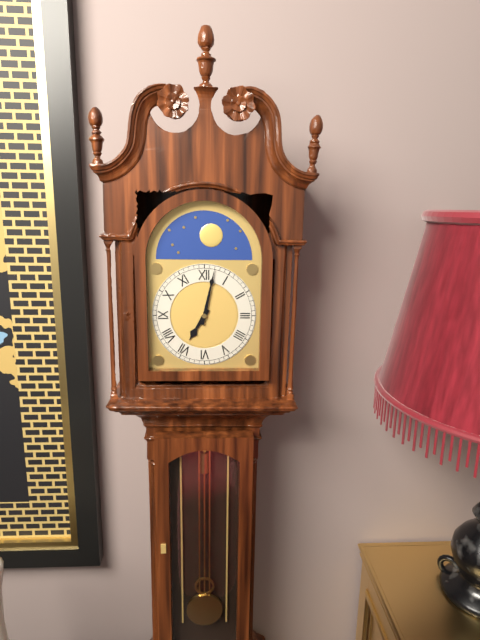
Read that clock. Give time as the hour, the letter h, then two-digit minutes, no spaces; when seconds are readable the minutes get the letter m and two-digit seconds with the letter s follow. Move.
7h02
